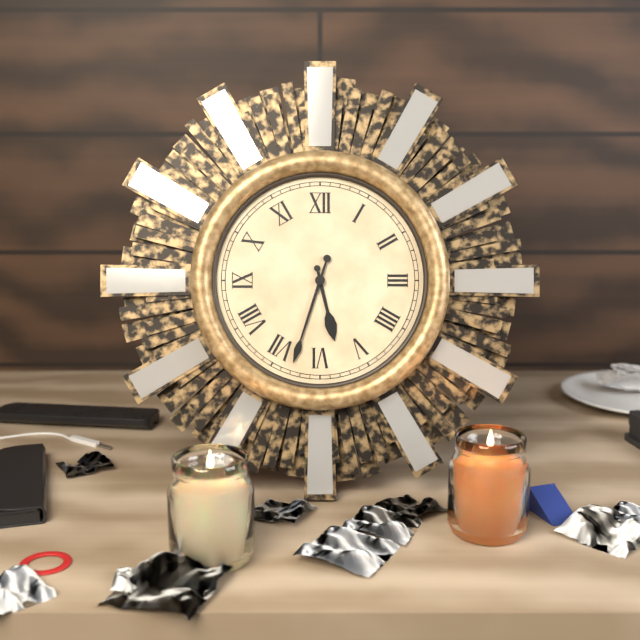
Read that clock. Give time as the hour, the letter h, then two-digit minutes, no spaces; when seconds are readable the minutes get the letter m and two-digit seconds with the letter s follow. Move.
5h33
